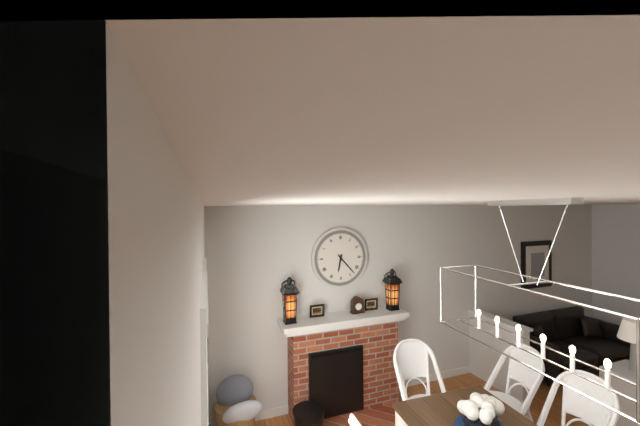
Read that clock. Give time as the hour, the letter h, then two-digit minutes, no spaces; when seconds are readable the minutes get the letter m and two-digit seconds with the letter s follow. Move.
6h23
